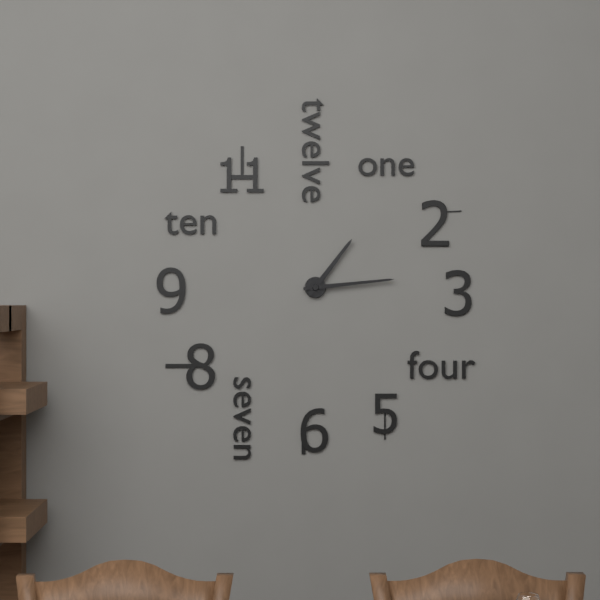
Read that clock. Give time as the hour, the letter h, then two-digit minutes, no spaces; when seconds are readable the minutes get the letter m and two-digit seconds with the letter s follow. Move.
1h14
